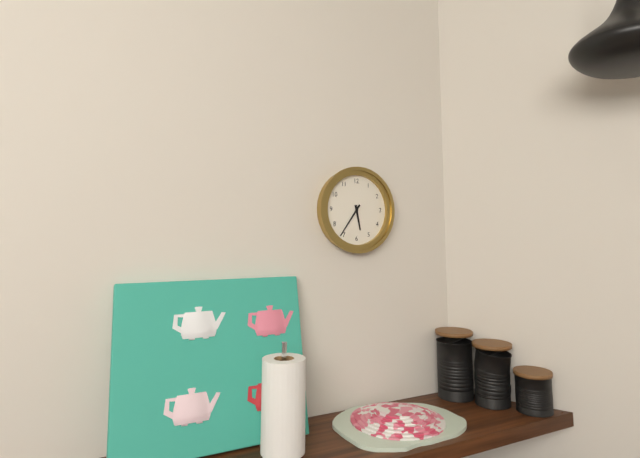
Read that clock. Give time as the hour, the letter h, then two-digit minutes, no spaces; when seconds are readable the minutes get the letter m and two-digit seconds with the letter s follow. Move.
5h36
